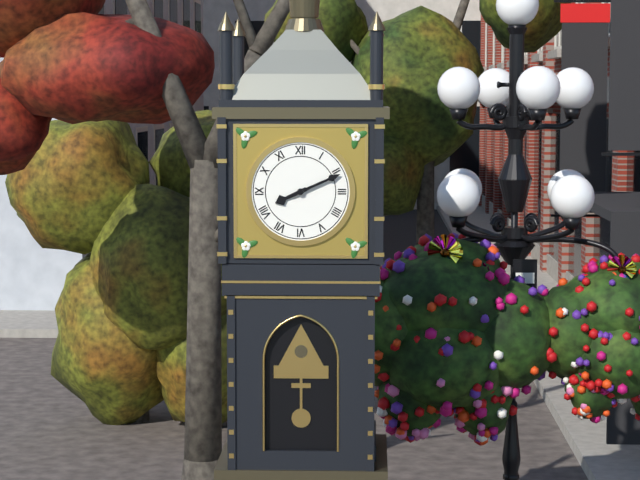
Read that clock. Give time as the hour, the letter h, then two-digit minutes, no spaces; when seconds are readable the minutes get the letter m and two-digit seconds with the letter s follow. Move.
8h11
